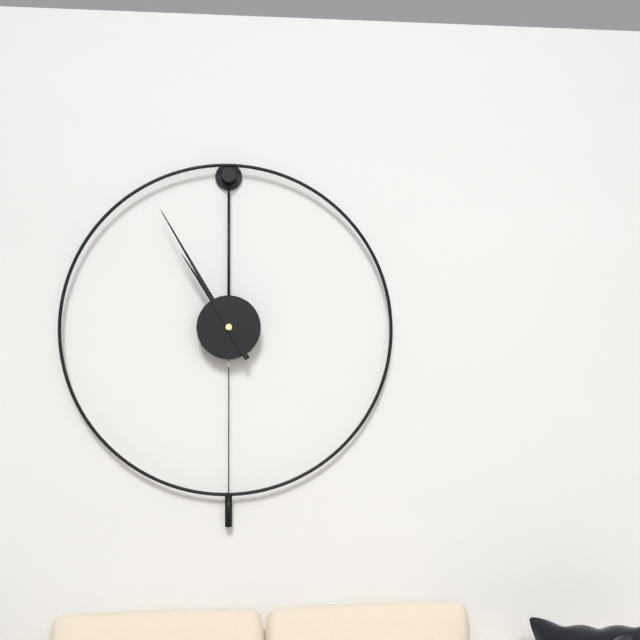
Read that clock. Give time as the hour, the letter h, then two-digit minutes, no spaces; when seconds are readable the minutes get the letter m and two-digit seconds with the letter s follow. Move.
10h55
